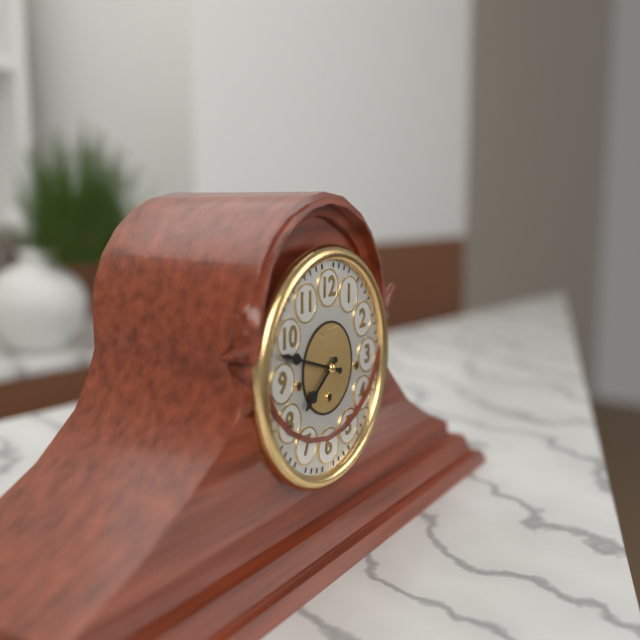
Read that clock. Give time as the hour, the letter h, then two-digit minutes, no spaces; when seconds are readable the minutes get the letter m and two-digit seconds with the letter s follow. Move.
7h48
